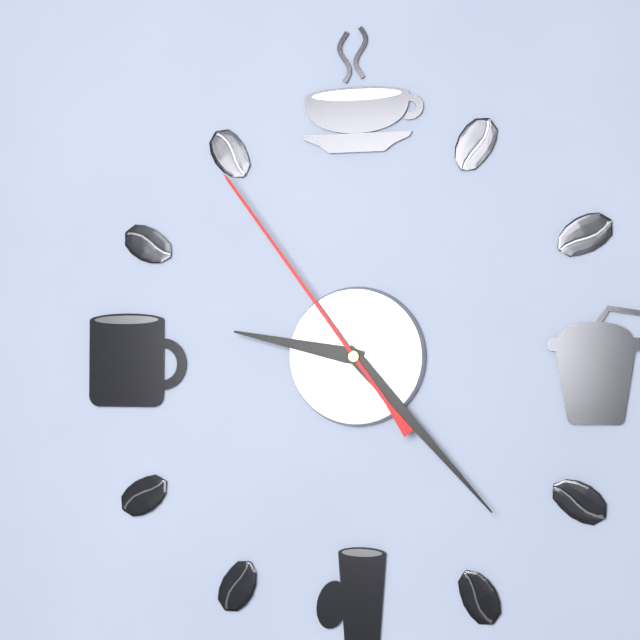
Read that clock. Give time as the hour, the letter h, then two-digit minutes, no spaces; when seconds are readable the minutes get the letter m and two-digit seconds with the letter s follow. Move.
9h23m54s
